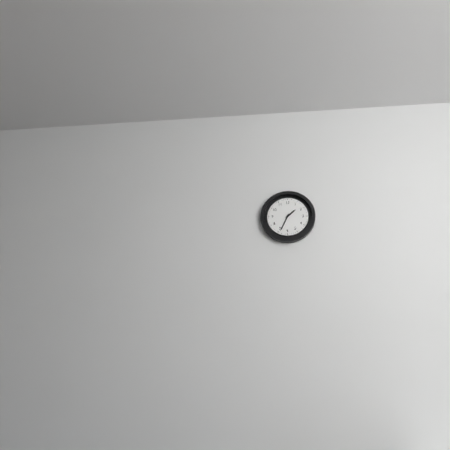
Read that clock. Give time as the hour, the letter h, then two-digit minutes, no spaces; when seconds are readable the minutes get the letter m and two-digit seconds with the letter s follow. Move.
1h34
